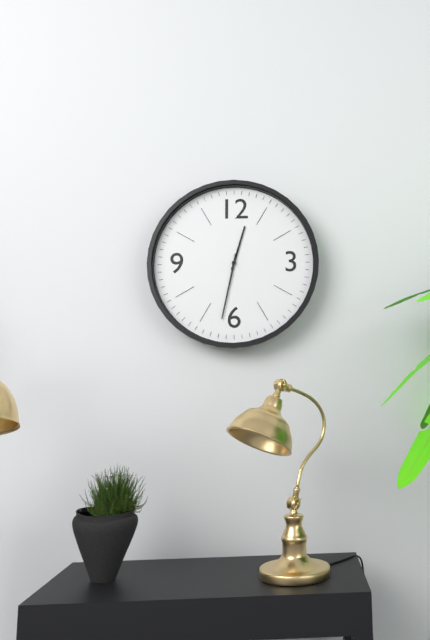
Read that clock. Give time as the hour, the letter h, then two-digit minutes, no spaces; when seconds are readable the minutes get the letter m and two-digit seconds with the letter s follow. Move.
12h32
